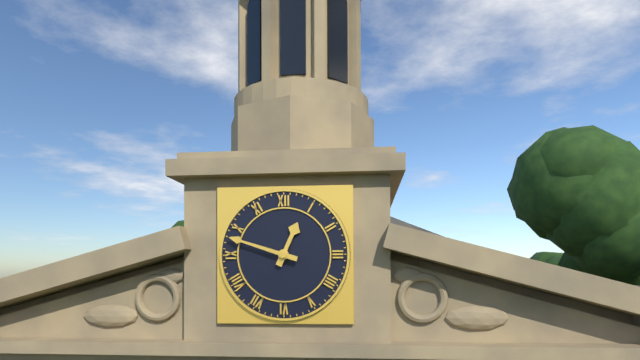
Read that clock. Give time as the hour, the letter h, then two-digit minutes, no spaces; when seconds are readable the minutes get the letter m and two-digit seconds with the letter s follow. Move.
12h48
